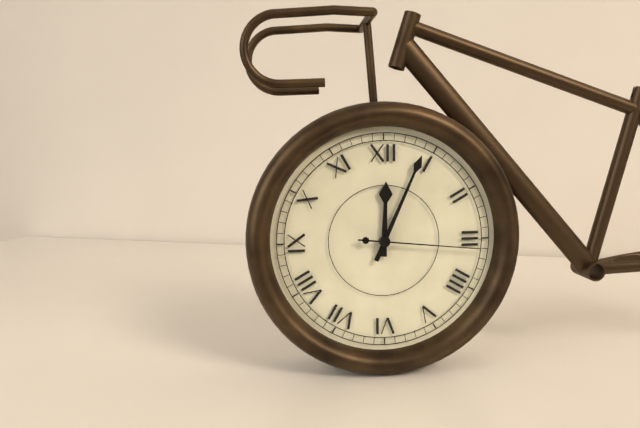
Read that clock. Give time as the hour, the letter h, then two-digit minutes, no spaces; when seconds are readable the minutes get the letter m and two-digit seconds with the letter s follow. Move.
12h04m16s
